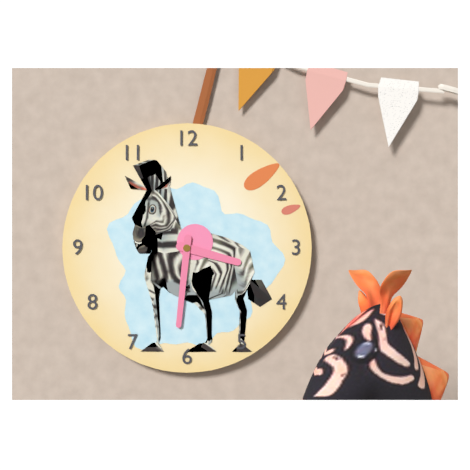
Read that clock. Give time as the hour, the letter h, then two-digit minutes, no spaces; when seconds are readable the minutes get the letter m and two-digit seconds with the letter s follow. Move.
3h31
